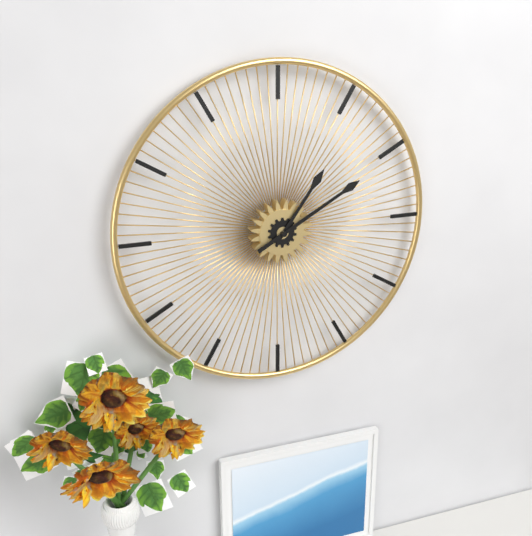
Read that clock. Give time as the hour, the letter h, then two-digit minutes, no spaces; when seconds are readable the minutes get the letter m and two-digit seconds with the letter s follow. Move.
1h10
